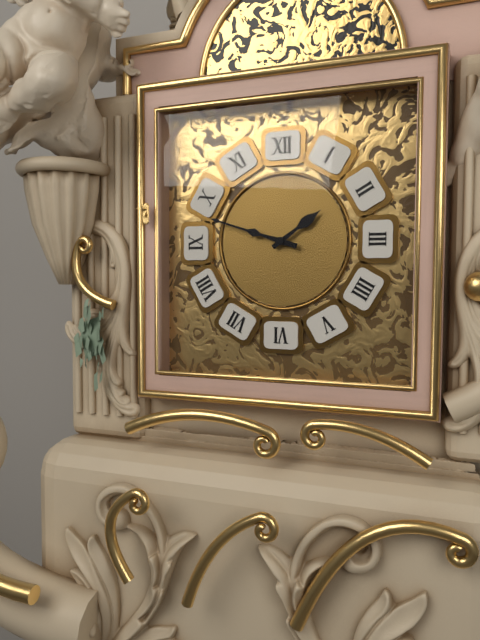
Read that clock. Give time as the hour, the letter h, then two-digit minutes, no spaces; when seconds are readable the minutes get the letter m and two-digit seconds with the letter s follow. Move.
1h48
